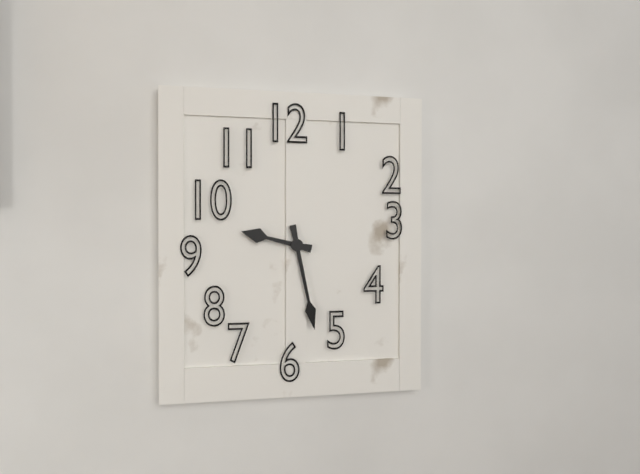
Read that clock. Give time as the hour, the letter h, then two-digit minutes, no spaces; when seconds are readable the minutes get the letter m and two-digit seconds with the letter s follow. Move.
9h28
